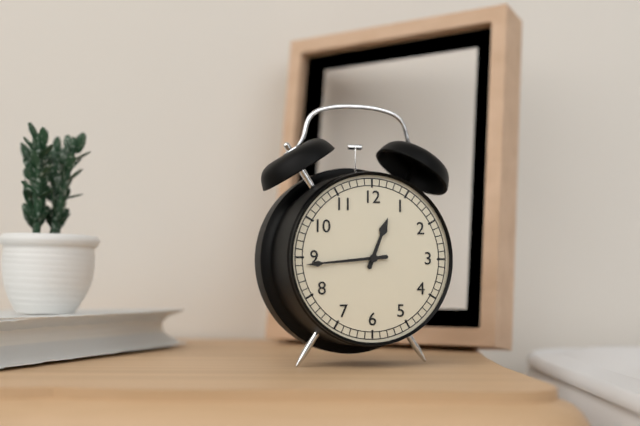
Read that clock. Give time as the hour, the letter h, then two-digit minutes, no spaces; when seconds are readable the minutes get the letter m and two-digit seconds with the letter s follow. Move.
12h44
